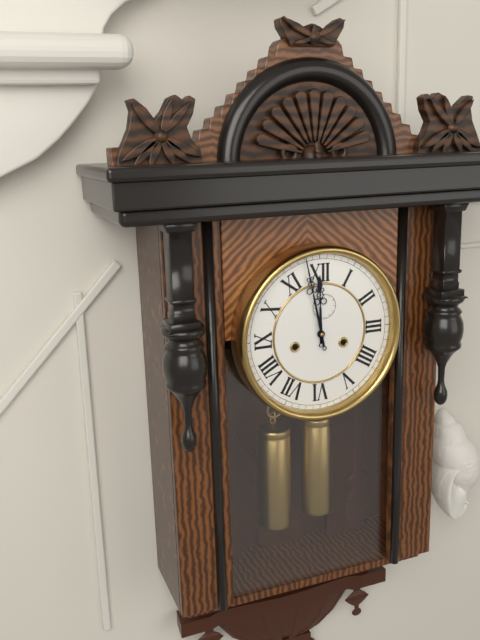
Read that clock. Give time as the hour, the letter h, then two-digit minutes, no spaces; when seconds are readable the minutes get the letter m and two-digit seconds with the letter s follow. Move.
11h58
